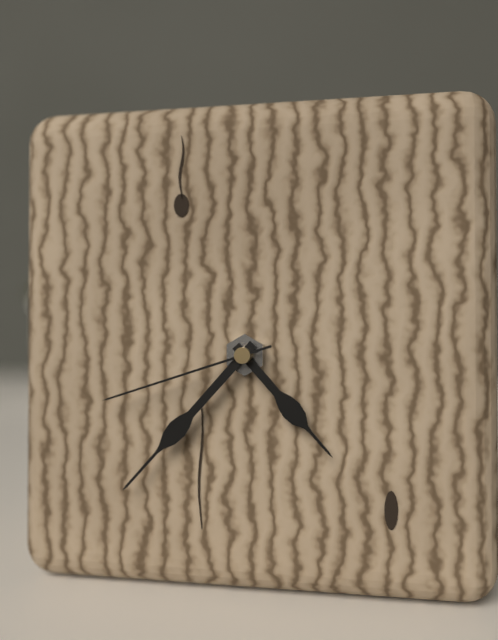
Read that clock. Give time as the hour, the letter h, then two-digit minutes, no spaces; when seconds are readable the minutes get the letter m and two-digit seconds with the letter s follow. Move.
4h37m42s
